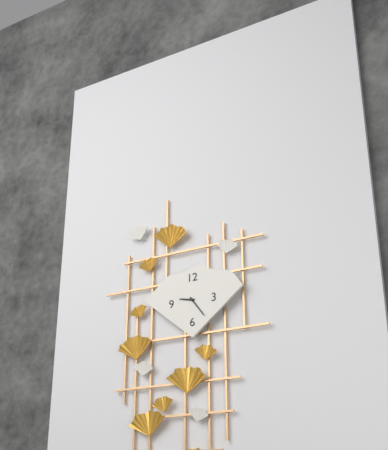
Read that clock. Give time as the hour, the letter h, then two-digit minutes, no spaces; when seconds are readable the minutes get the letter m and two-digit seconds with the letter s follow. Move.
9h24
